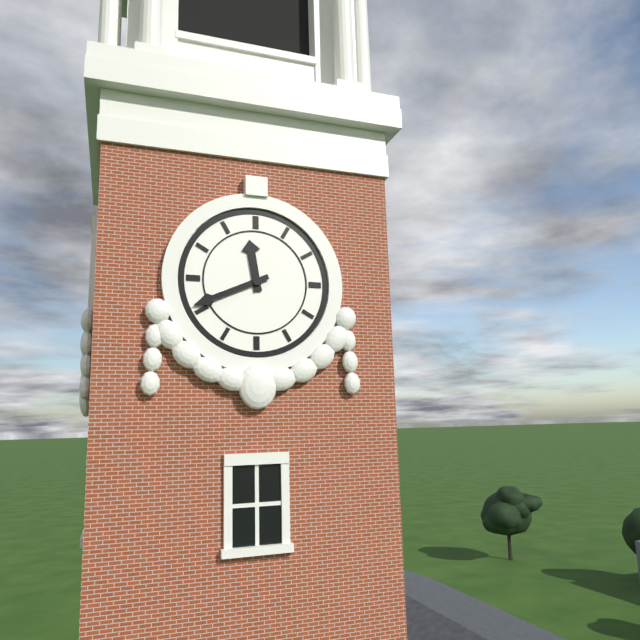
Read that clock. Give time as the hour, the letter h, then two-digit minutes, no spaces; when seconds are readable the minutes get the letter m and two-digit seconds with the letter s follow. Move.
11h41
